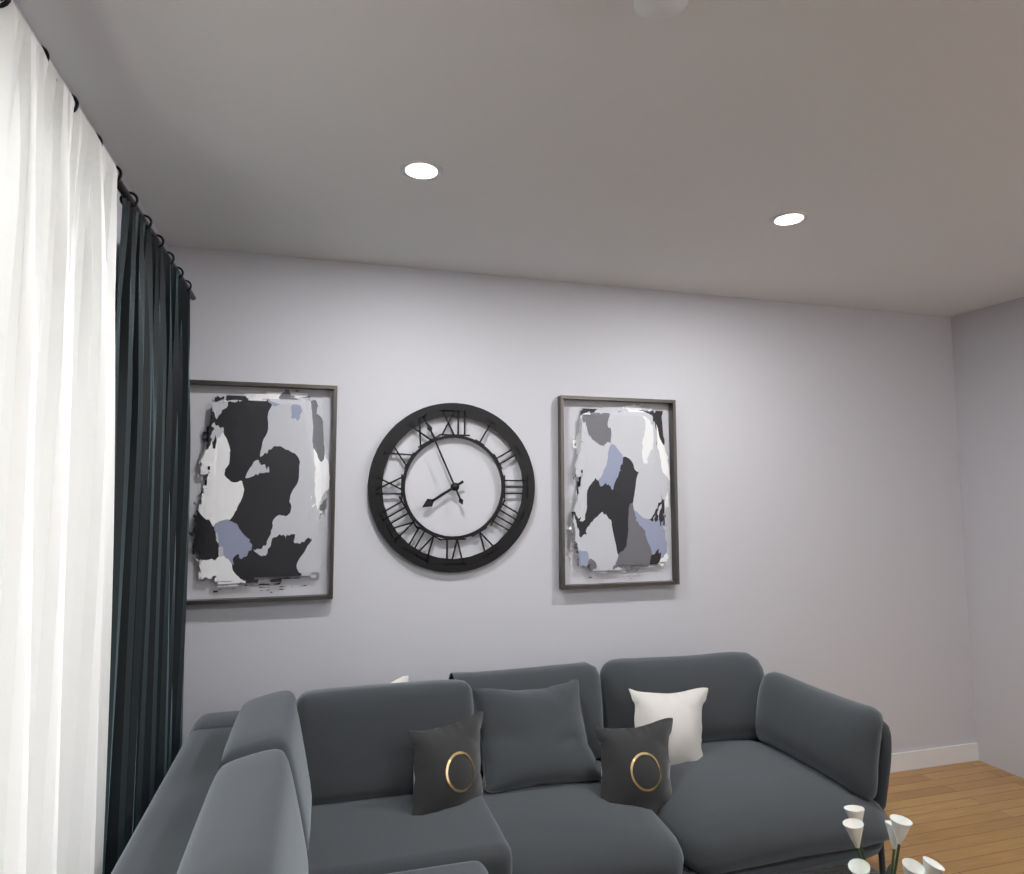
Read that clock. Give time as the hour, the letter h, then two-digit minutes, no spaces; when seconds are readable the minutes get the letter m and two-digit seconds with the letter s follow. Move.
7h56
